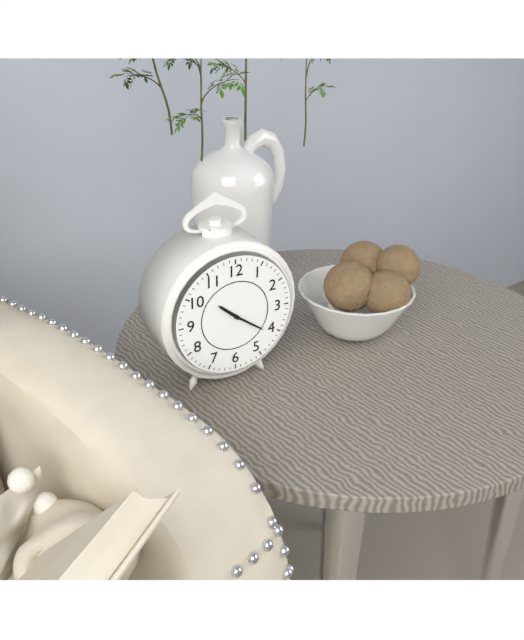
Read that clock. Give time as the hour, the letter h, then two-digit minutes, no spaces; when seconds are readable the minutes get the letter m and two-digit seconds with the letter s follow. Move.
10h21
